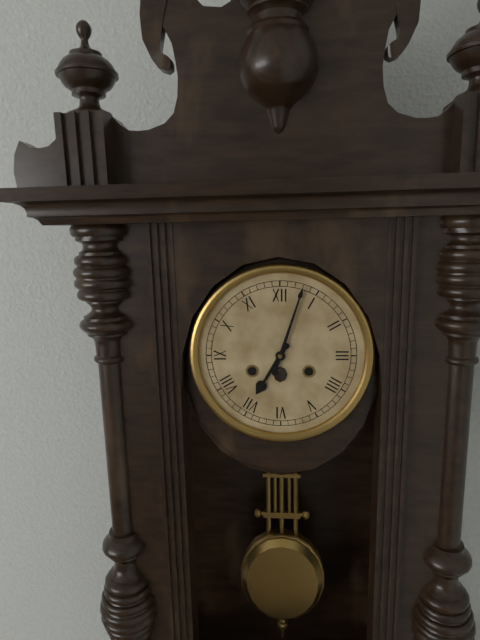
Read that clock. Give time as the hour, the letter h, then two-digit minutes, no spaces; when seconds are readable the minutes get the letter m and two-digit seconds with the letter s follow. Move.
7h03
